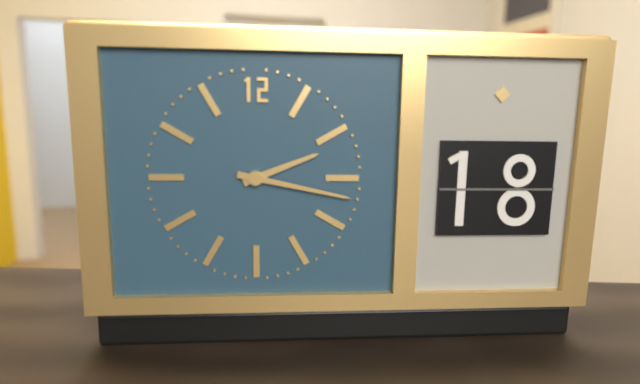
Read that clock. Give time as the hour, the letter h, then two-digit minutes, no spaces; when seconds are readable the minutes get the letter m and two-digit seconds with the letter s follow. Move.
2h17
